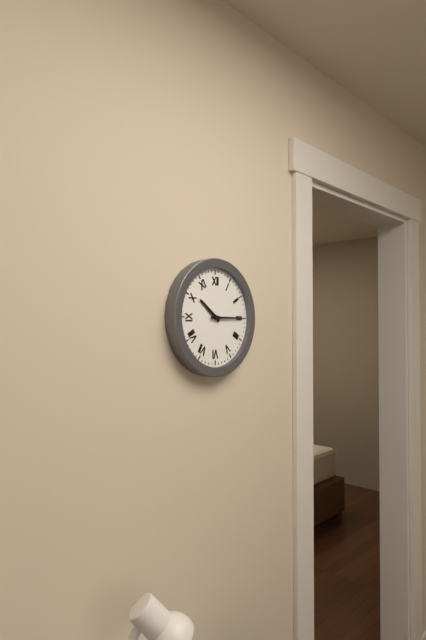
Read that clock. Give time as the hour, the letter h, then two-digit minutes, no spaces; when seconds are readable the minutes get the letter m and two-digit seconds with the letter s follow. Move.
10h15
